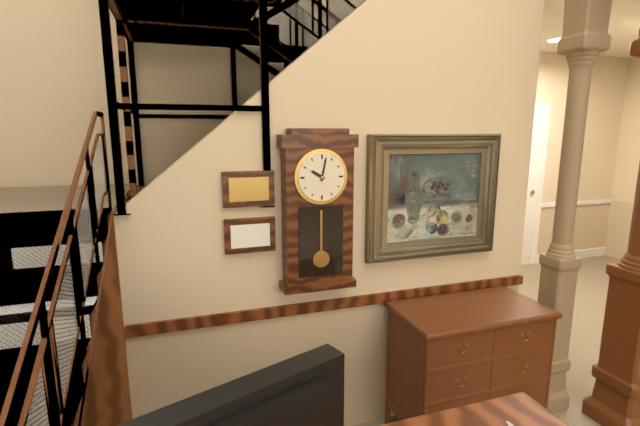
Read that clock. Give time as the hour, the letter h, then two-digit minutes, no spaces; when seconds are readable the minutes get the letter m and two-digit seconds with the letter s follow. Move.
10h02
